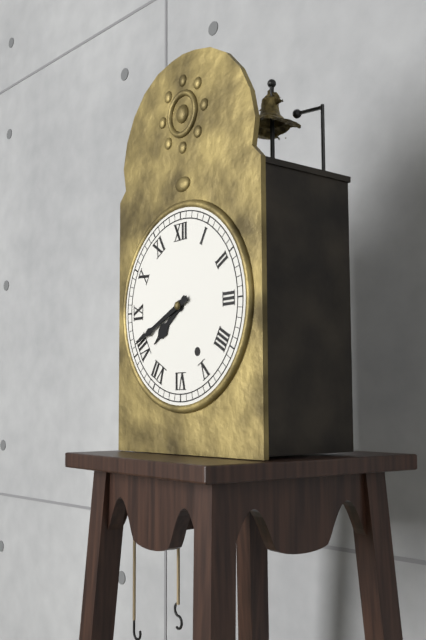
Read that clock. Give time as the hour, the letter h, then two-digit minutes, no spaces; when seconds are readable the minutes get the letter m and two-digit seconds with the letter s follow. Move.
7h41
